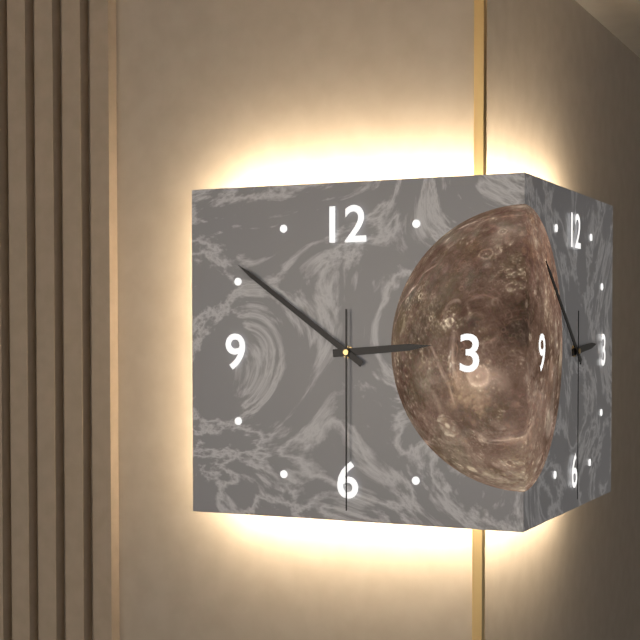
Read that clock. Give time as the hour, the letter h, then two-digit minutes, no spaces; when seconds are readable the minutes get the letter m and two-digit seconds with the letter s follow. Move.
2h51m30s
